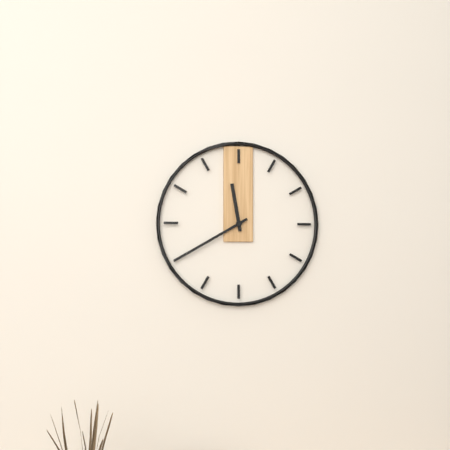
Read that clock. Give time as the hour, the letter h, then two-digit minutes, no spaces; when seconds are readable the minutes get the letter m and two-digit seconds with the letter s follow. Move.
11h40
